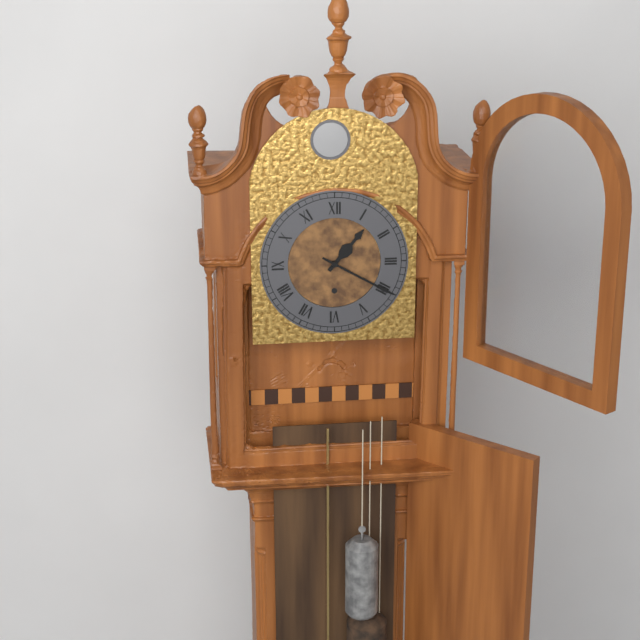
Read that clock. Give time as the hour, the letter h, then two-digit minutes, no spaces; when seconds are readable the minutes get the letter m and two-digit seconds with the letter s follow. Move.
1h20
